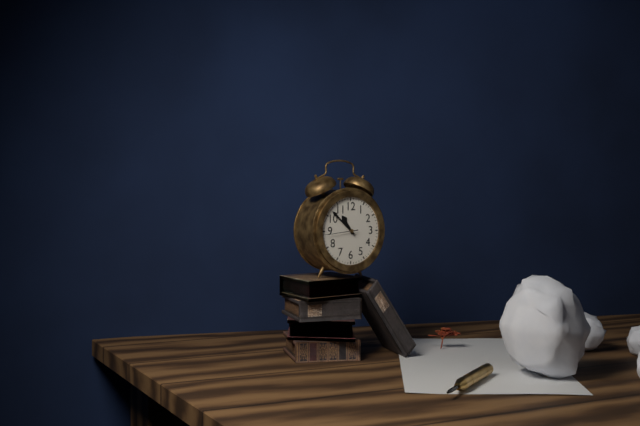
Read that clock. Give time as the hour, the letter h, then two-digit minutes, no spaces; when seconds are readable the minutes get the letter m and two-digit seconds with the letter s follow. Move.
10h52
